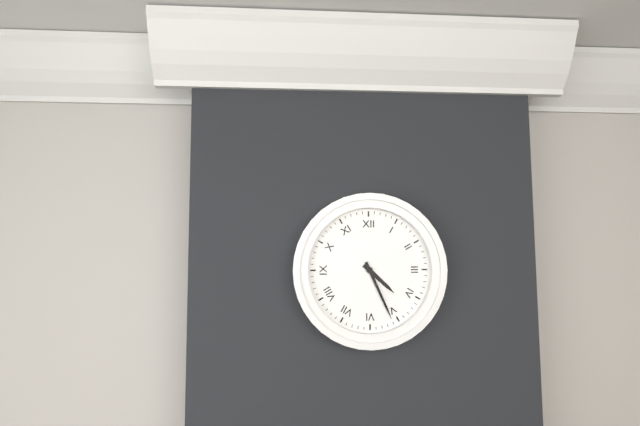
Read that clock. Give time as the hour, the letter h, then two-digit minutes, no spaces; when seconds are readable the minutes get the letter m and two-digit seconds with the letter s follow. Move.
4h26
